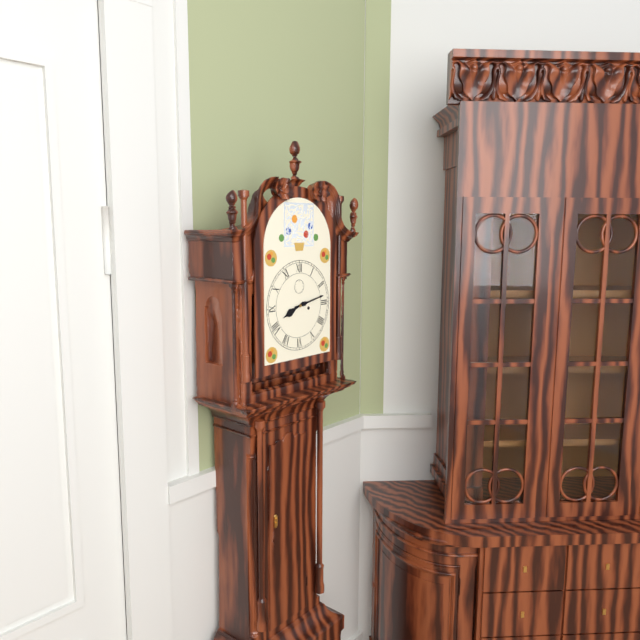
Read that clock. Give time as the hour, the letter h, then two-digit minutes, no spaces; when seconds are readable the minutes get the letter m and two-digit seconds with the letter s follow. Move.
8h13
